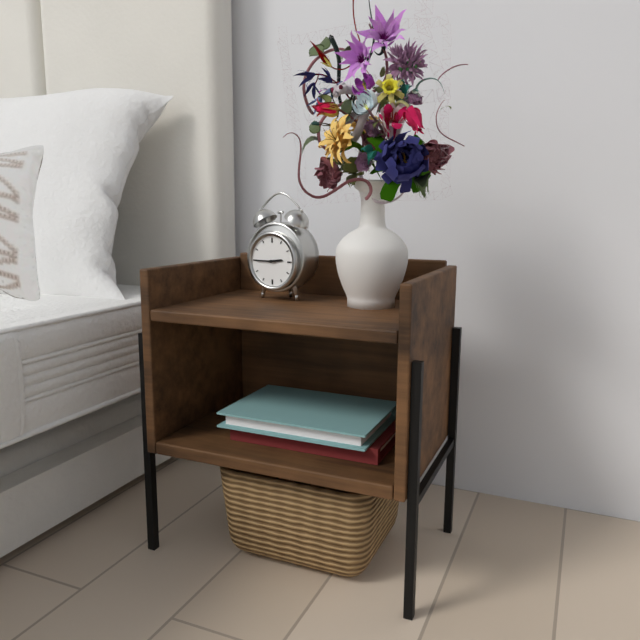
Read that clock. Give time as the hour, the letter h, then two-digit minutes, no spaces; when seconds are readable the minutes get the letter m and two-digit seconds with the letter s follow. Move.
2h45
